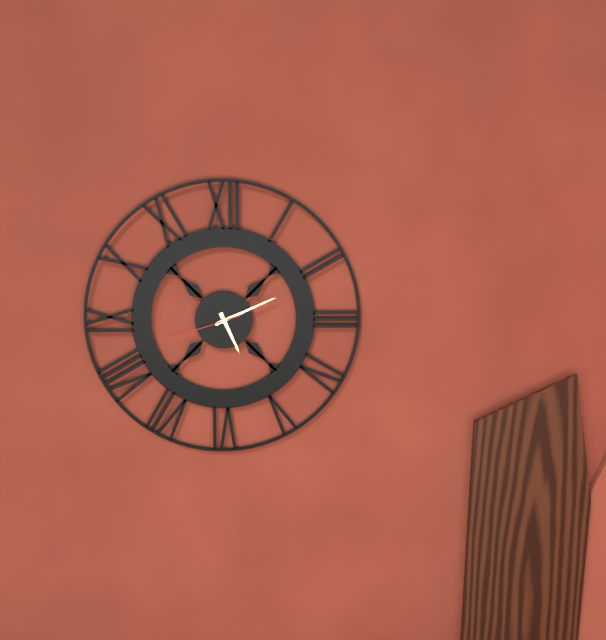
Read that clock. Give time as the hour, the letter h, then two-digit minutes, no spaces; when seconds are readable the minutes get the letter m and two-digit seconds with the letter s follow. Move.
5h11m42s
